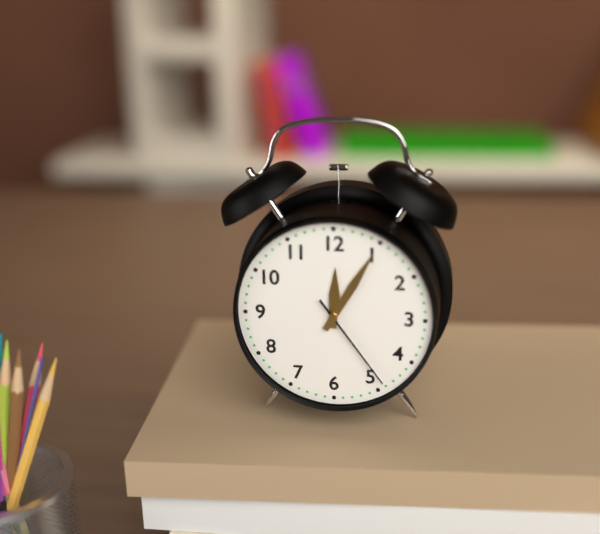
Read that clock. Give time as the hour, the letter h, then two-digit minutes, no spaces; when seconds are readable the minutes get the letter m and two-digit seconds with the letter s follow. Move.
12h05m24s
